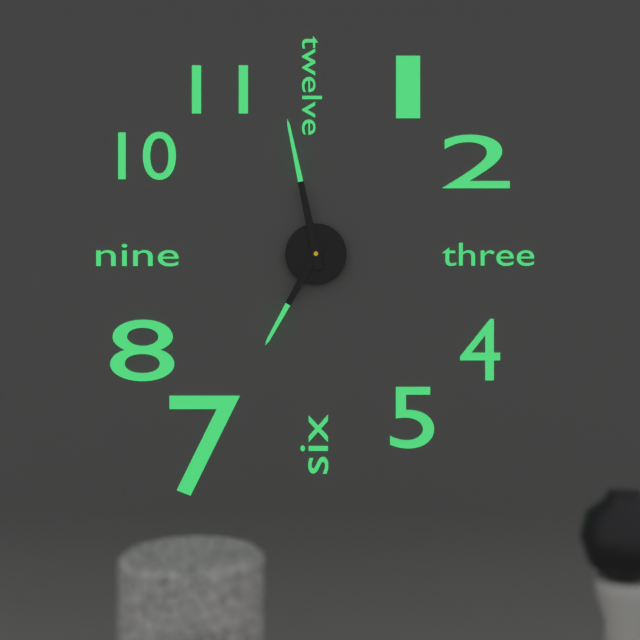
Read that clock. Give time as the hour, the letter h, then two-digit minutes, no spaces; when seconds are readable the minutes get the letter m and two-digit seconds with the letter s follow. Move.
6h58
